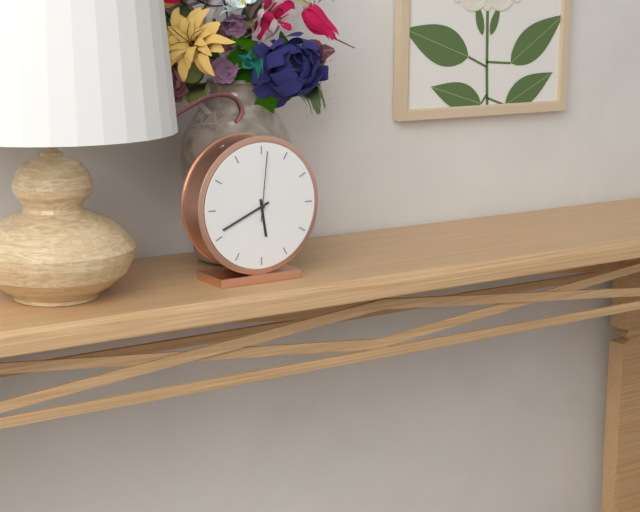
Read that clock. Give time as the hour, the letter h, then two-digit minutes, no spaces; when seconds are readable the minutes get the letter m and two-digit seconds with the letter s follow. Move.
5h41m01s
